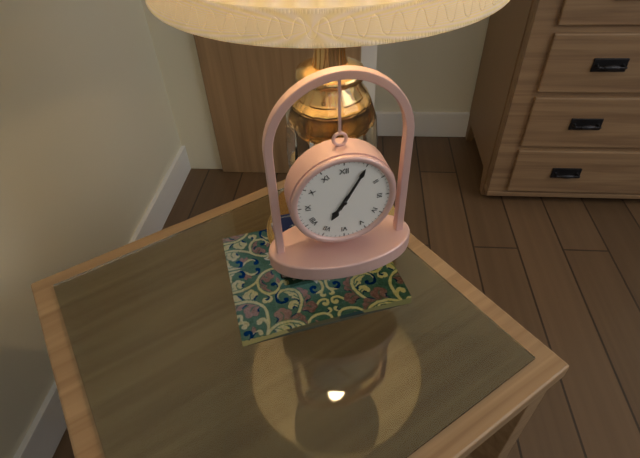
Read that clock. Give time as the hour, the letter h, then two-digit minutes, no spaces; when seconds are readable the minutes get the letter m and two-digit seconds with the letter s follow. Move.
7h05
